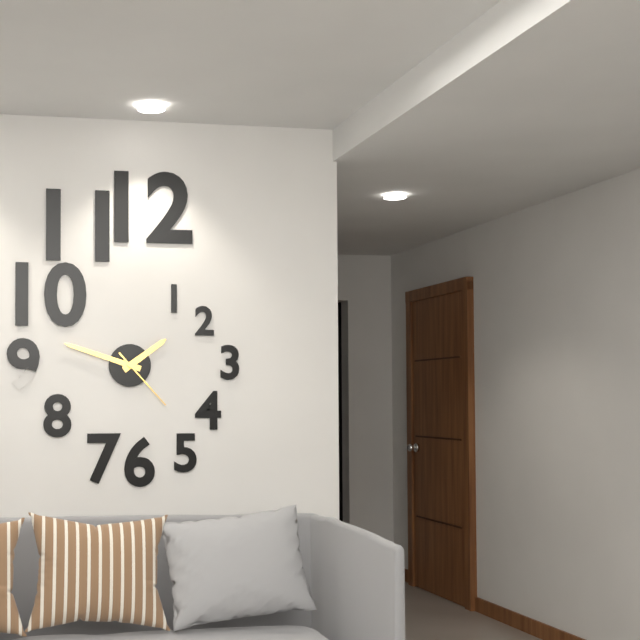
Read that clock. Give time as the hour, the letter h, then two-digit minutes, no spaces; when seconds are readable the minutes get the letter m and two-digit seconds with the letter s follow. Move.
1h48m23s
